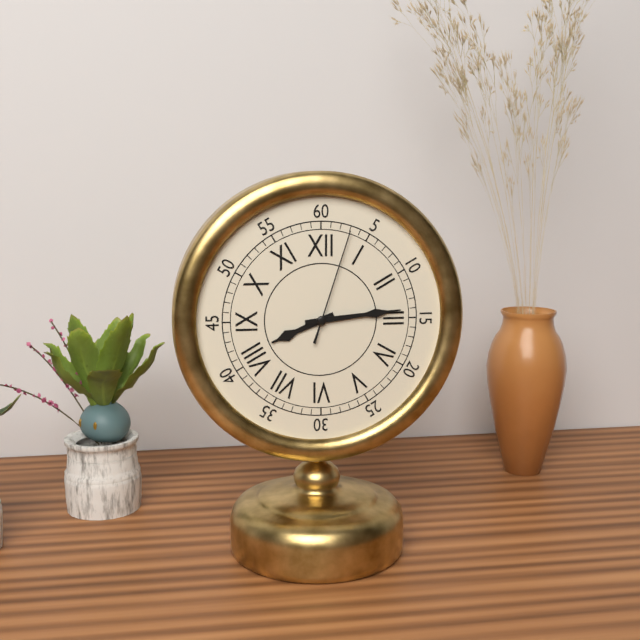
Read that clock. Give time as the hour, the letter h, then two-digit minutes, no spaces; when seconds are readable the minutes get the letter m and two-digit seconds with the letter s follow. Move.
8h14m03s
